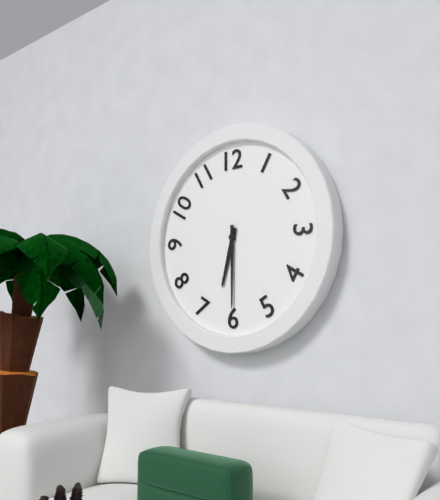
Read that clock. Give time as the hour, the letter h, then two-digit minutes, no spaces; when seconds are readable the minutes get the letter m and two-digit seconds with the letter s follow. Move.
6h30
